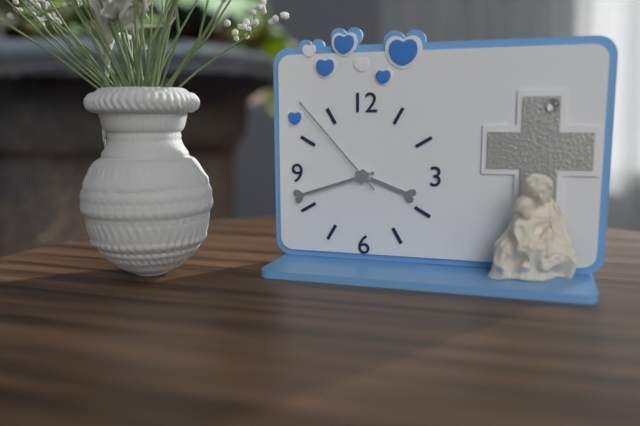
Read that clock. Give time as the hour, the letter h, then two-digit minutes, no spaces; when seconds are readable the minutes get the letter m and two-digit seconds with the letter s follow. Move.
3h42m53s
